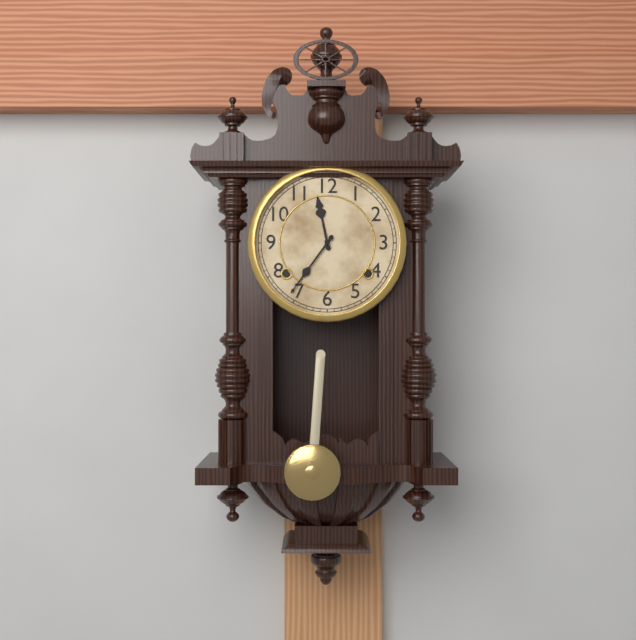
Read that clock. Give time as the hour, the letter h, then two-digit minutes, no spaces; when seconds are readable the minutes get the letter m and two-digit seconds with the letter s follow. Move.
11h36
